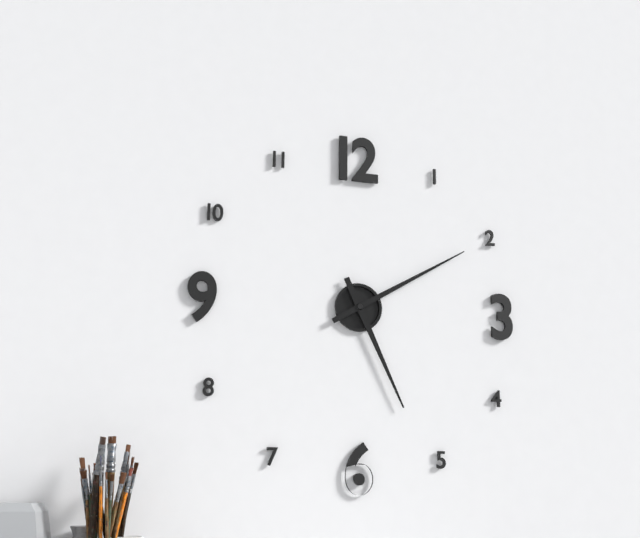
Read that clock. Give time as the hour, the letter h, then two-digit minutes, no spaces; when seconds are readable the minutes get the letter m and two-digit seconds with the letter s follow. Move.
5h10
